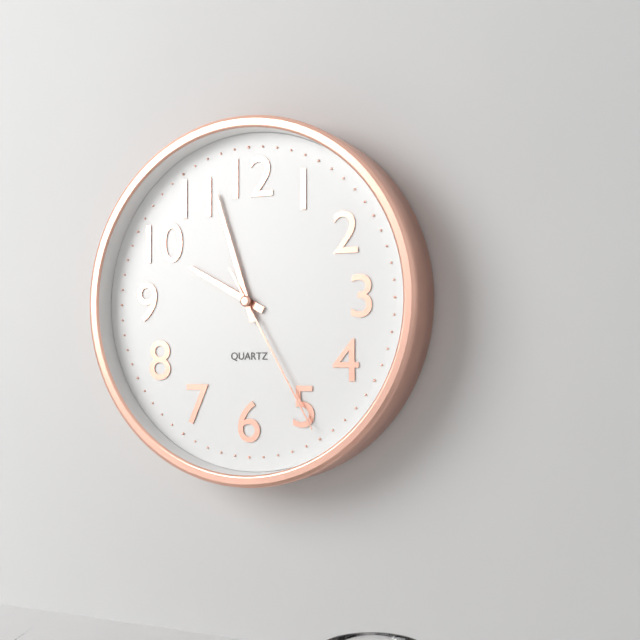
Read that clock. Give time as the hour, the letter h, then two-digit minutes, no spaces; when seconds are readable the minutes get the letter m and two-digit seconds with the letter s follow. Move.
9h57m25s
